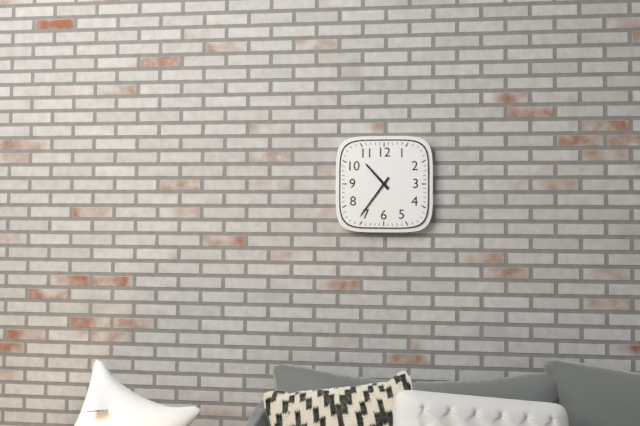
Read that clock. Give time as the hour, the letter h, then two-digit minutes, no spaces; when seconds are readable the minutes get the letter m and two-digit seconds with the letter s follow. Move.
10h36
